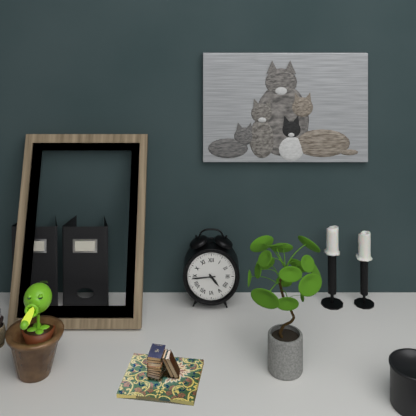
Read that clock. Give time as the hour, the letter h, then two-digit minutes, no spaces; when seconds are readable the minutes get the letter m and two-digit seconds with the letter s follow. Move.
4h44
